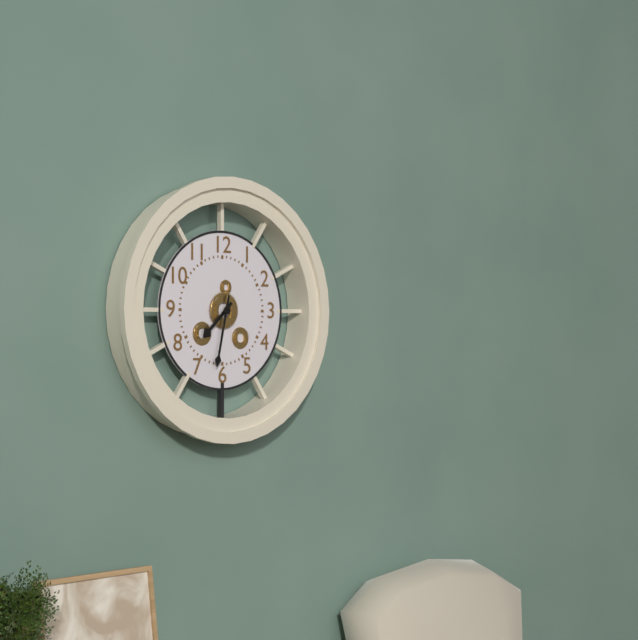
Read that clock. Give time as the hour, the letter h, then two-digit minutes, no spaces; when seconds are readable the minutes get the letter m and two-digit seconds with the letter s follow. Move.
7h32
